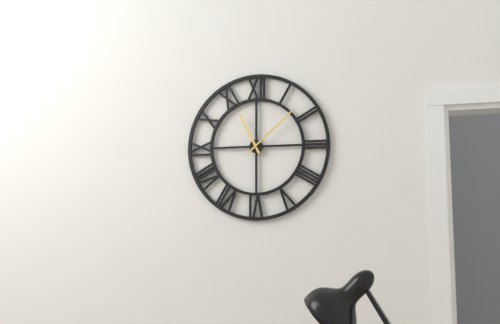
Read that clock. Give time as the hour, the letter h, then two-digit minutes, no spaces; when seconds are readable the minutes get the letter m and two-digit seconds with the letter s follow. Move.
11h08
